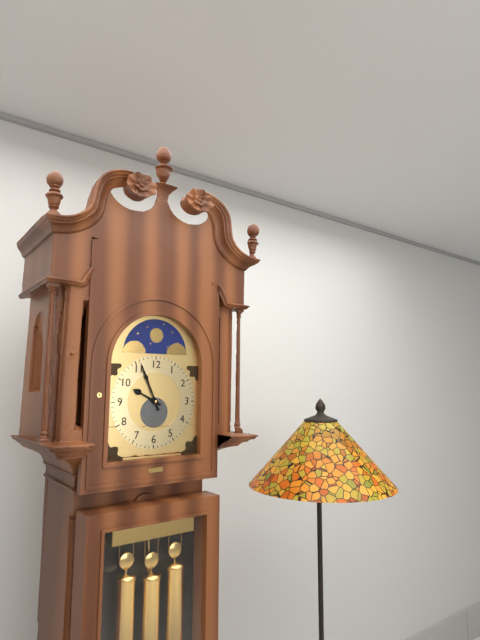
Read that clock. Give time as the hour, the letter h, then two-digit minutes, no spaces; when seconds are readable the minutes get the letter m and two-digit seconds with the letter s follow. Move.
9h56
